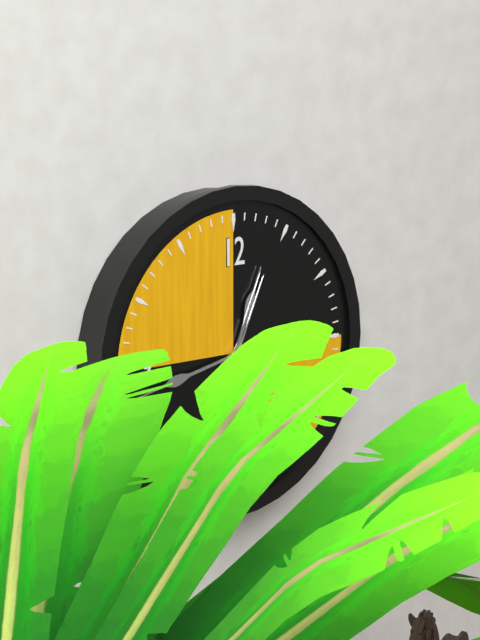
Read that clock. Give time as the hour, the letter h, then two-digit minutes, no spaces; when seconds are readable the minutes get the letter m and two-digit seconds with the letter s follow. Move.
12h43m04s
